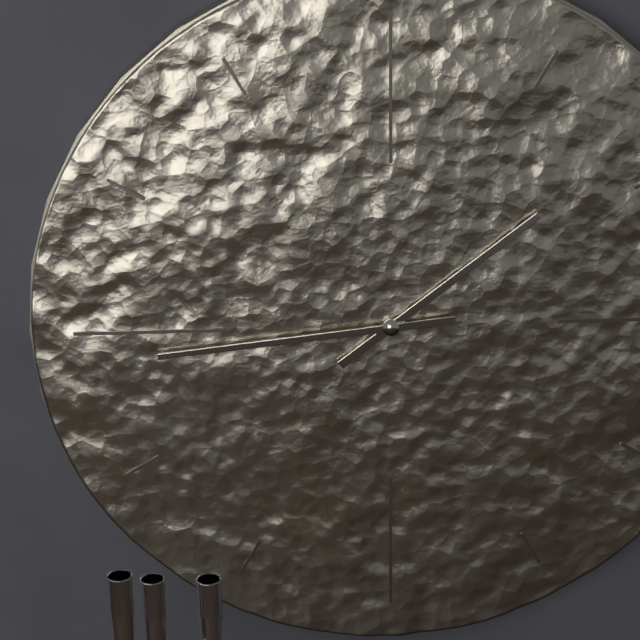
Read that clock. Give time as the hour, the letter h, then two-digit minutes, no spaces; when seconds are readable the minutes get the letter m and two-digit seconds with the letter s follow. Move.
1h44
